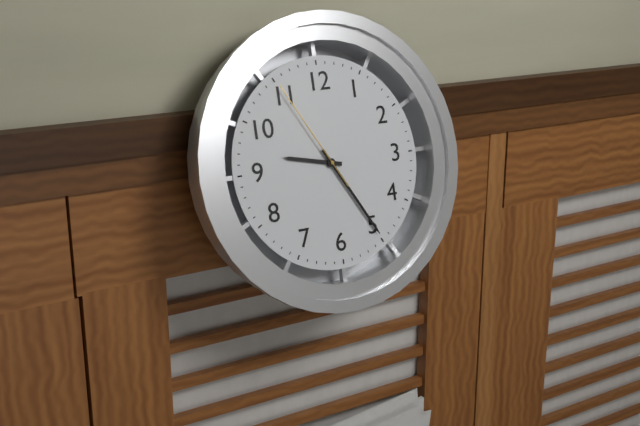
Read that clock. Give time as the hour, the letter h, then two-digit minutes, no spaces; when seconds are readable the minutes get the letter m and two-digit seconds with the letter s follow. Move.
9h25m55s
